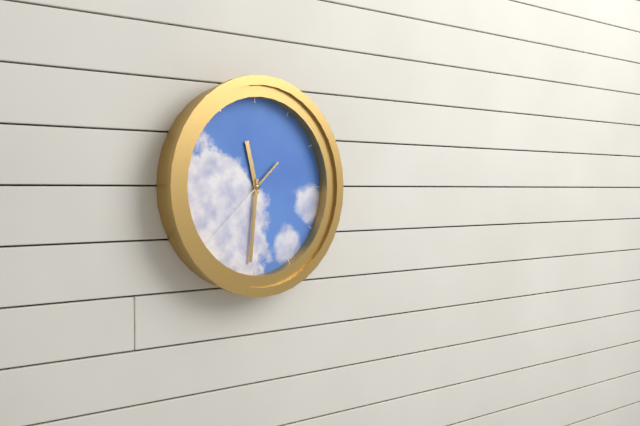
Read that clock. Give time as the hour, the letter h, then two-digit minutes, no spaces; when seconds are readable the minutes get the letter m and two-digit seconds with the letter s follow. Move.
11h31m38s
